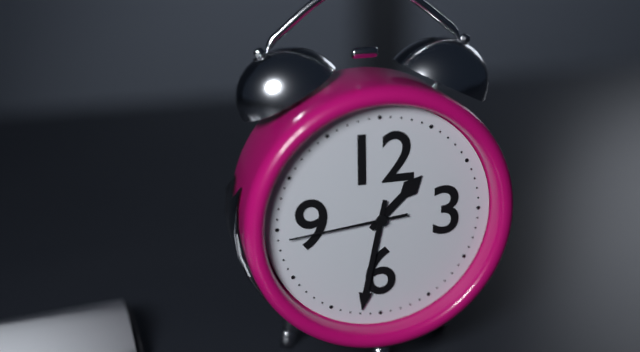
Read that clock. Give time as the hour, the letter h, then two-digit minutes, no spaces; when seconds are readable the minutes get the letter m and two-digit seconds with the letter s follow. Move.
1h32m44s
